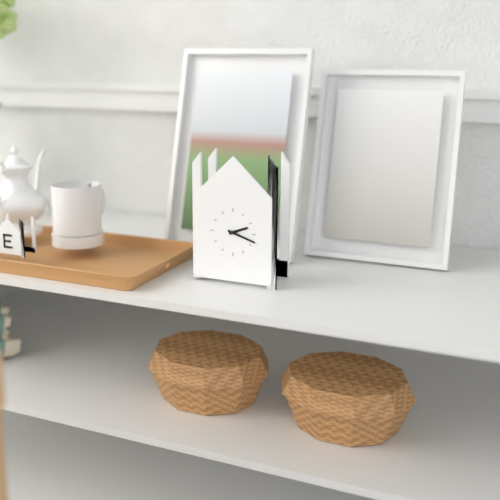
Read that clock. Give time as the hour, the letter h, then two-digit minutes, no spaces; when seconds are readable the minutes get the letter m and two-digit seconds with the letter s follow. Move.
2h18
